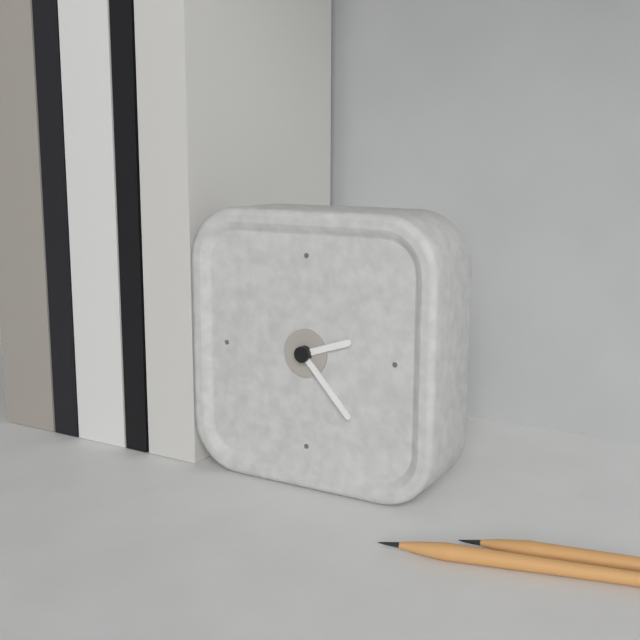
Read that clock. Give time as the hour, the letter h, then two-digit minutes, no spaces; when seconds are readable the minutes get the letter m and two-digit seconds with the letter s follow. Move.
2h23
